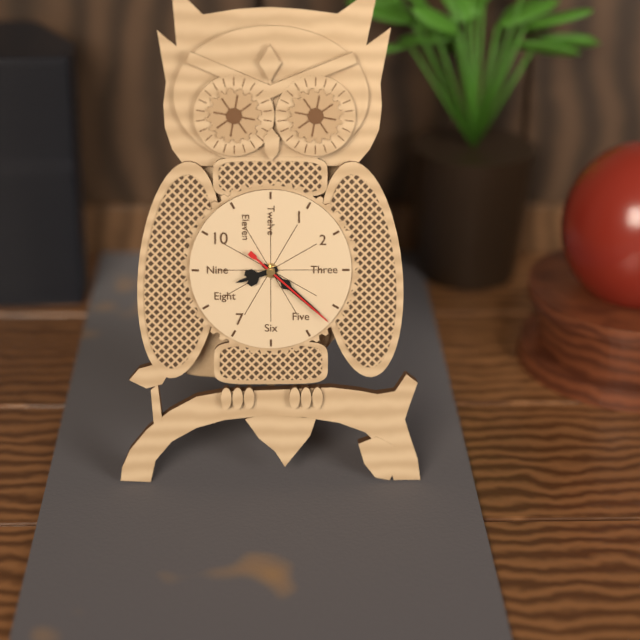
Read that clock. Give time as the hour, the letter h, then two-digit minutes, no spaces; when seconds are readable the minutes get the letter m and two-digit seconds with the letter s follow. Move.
8h22m22s
